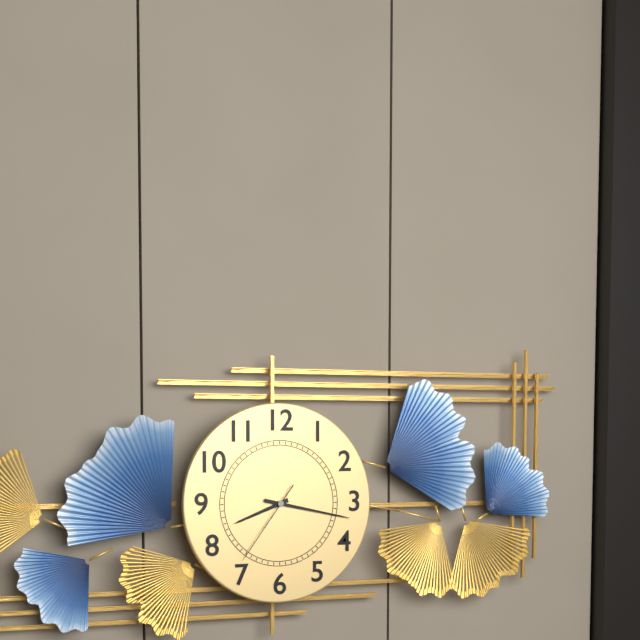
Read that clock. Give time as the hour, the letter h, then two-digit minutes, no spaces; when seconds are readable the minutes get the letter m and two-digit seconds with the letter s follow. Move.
8h17m36s
